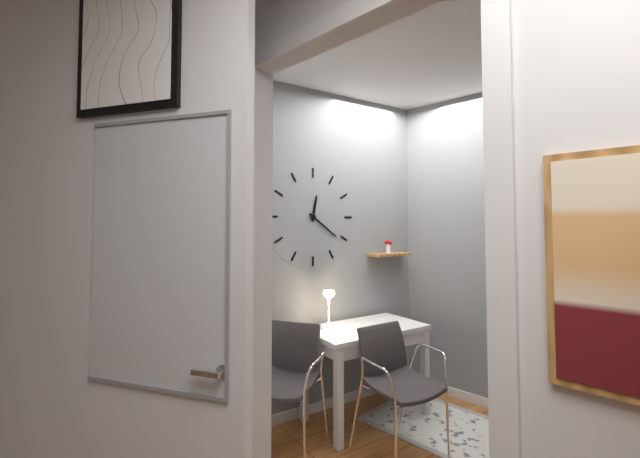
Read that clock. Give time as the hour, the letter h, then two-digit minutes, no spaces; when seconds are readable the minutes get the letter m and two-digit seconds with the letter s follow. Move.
12h21
